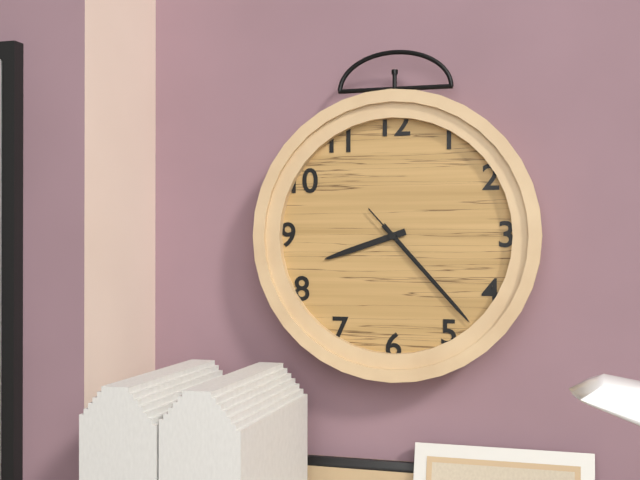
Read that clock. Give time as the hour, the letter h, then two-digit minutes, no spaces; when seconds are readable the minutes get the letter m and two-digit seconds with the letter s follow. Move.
8h23m23s
